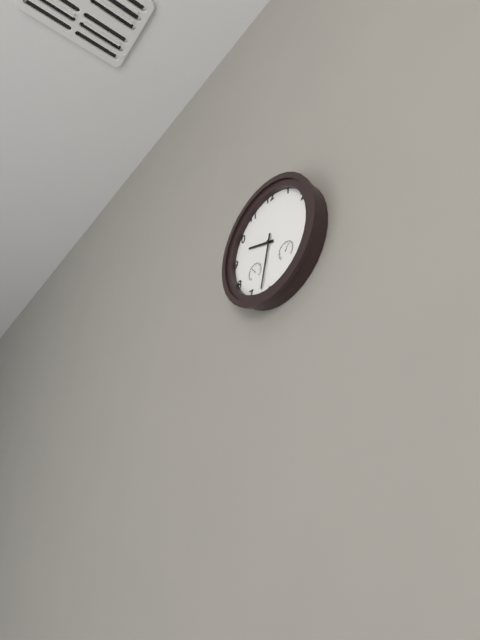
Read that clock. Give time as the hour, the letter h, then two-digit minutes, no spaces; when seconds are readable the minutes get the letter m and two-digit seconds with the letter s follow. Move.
9h32
